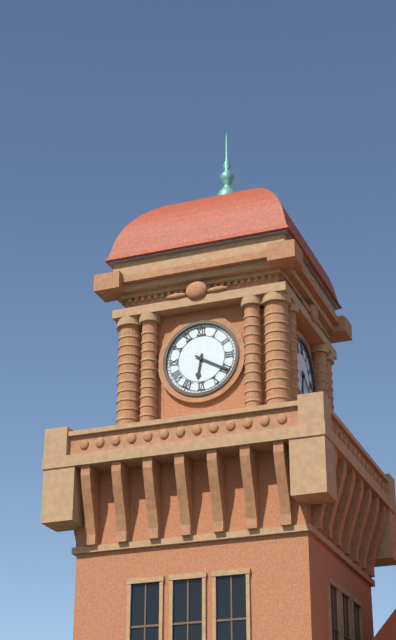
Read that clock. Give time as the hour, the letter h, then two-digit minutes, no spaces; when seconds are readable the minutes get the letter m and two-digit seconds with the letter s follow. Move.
6h20
